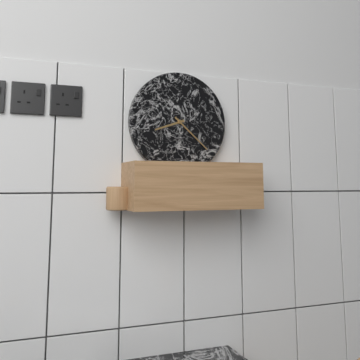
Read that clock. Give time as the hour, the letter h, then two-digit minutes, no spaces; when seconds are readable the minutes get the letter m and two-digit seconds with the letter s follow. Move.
8h22
